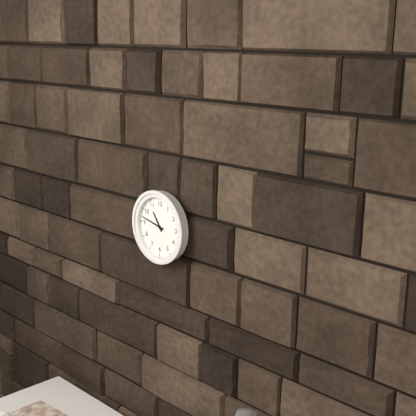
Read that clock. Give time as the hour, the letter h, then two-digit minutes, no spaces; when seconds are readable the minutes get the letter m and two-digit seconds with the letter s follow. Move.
10h47
